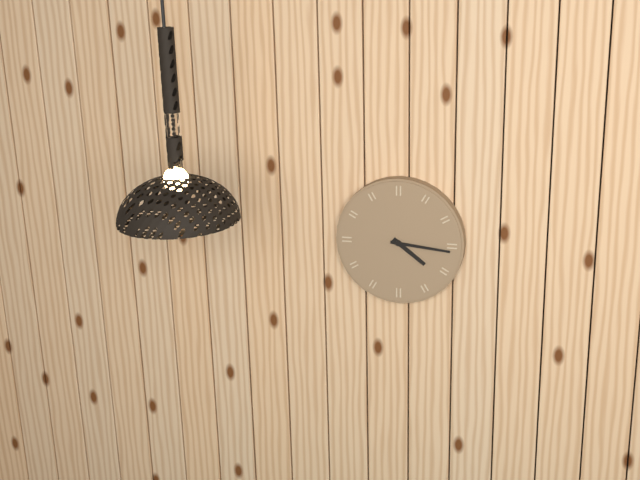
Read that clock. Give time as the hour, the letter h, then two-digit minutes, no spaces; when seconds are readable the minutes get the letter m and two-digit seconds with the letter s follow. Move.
4h16
